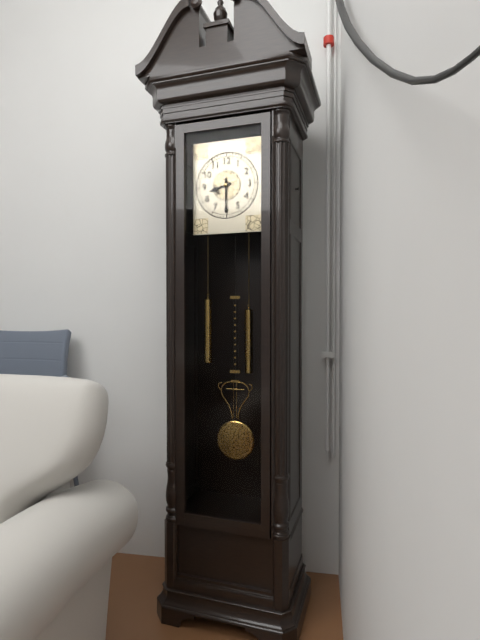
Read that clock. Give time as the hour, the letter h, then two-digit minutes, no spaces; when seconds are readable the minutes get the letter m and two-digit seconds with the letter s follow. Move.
8h30
